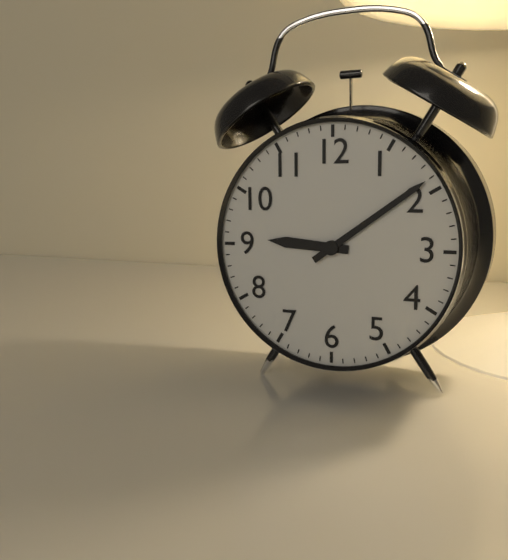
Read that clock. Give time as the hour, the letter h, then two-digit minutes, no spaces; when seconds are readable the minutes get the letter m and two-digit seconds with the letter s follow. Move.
9h09
